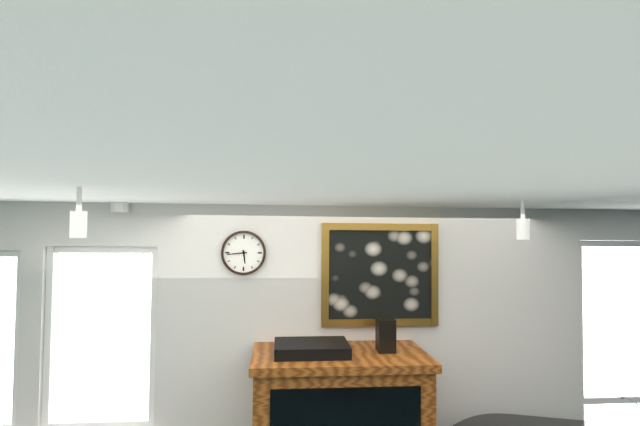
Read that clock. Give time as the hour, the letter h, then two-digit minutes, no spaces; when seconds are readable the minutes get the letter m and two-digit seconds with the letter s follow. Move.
5h44
